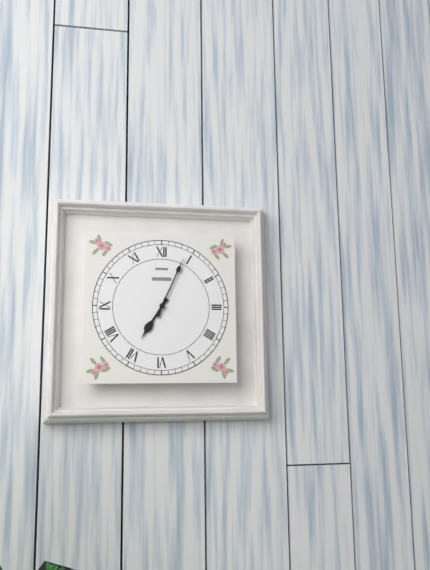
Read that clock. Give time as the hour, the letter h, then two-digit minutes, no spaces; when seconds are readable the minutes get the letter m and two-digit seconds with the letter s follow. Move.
7h04
